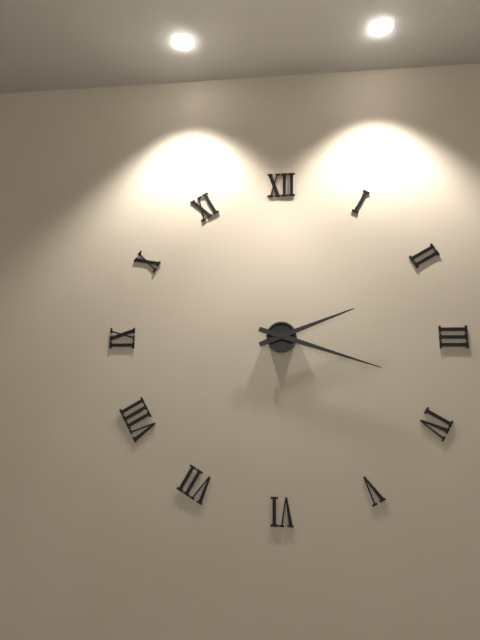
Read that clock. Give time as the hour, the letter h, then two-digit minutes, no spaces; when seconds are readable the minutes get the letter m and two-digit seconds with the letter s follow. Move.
2h18
